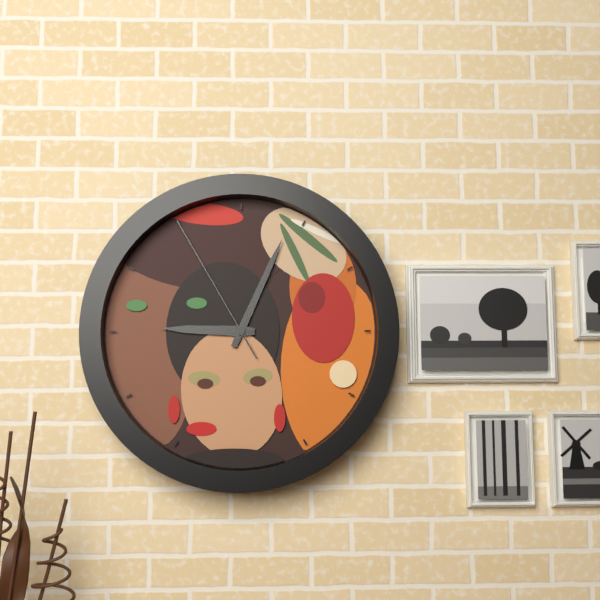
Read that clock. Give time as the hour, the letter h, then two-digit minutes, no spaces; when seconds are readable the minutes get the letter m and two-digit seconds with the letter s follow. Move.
9h04m55s
